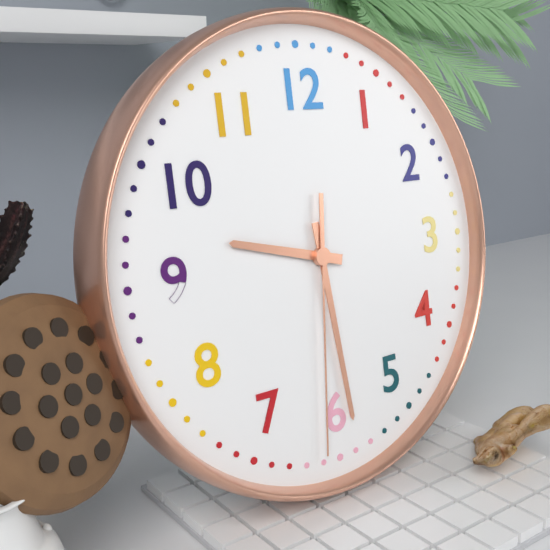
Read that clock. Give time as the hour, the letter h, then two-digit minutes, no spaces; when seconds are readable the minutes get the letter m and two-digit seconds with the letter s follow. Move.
9h29m31s
